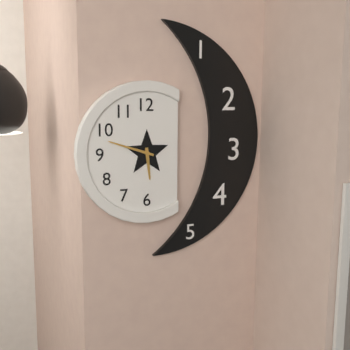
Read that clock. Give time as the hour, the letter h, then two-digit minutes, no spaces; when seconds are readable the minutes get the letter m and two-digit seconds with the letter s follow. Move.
5h48
